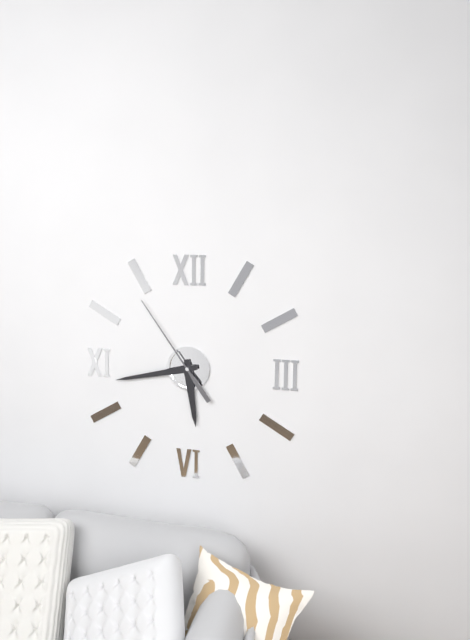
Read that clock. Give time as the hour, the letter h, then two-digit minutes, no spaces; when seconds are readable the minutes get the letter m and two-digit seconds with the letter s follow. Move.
5h43m54s
